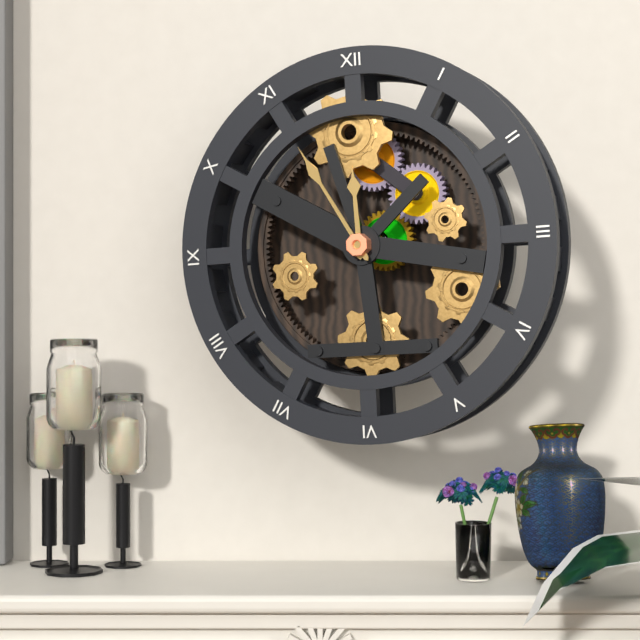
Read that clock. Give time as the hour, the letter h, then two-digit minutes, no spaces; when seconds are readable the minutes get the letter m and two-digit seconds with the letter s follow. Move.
11h55
